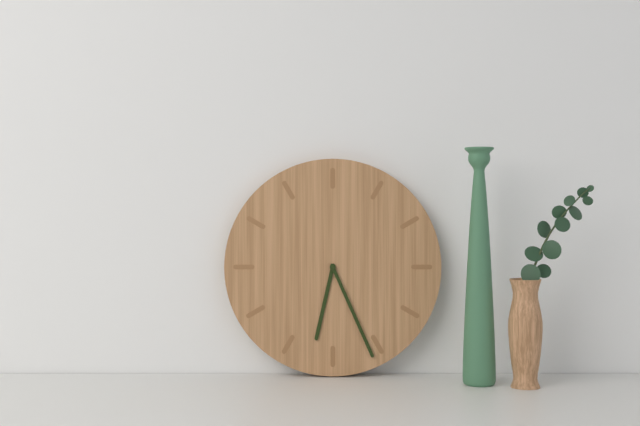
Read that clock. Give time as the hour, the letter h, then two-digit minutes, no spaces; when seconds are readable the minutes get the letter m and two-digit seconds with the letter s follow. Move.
6h26
